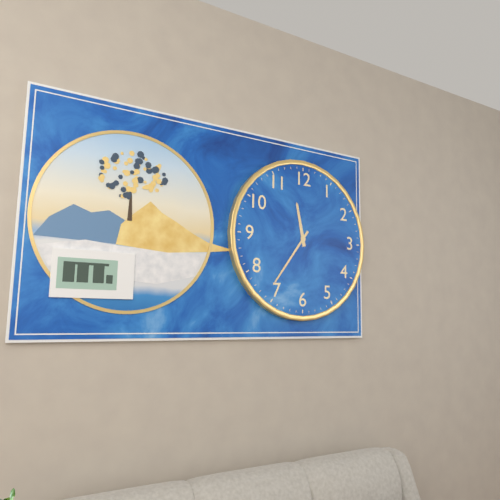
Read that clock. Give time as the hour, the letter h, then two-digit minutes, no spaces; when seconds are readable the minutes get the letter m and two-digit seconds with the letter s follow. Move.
11h36
